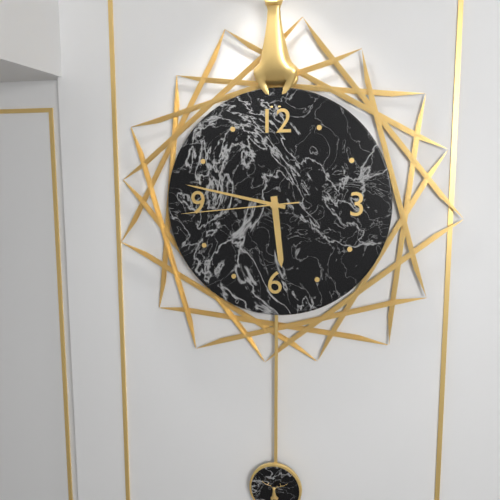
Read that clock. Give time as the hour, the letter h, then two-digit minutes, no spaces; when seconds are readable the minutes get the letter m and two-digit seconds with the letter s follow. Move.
5h47m44s
